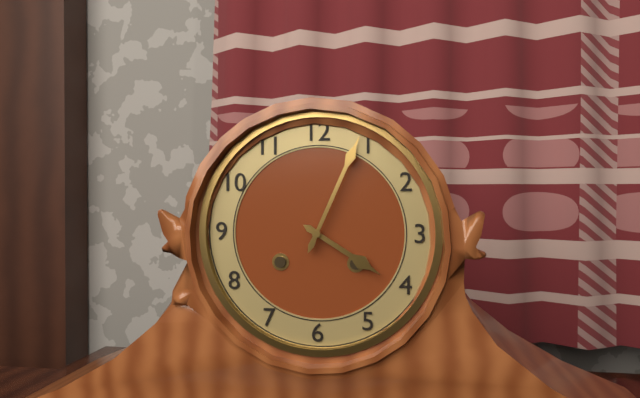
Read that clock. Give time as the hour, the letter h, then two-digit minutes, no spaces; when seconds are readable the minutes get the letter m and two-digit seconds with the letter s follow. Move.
4h04
